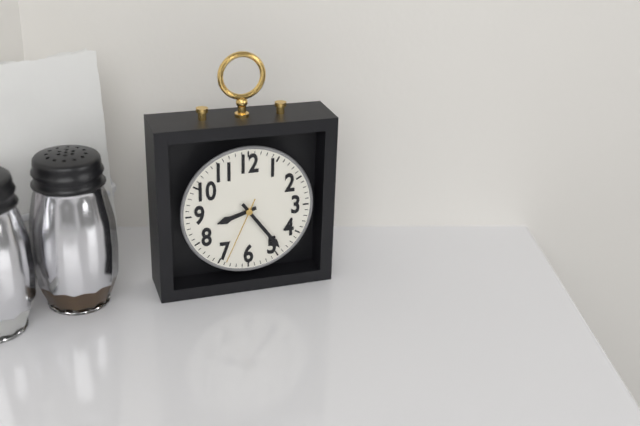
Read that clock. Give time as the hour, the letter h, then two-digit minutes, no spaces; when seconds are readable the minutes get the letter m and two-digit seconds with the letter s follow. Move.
8h24m34s
